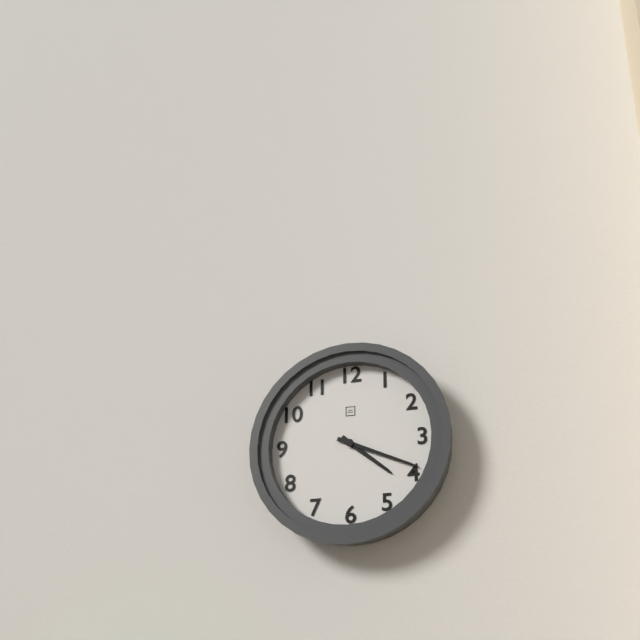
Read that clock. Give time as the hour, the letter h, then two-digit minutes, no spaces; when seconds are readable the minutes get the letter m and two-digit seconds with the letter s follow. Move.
4h19
